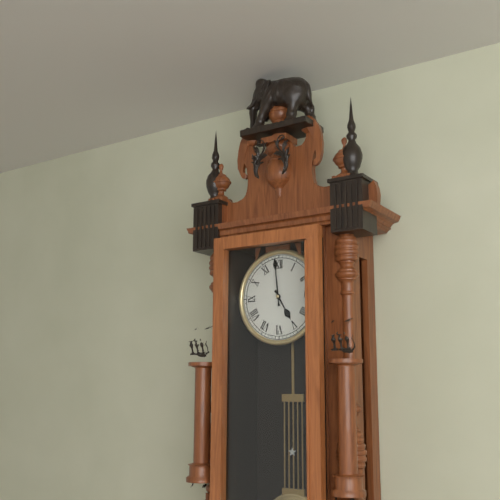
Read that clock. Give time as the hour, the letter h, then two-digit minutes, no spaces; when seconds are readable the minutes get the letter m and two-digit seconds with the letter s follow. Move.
4h59
